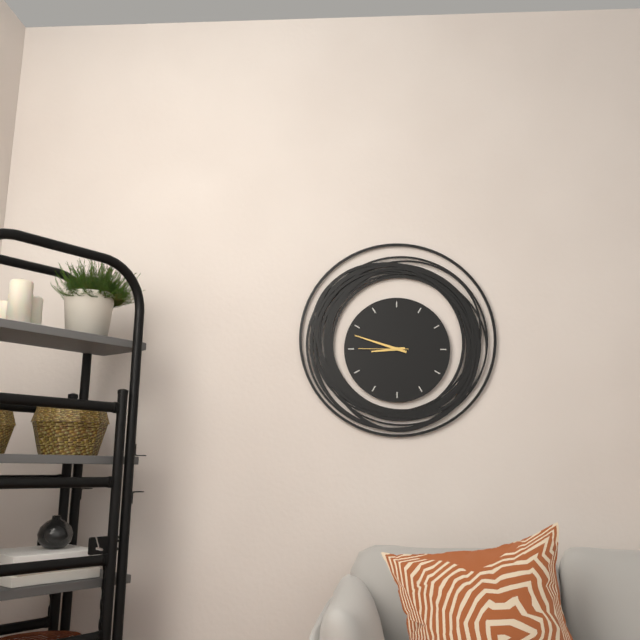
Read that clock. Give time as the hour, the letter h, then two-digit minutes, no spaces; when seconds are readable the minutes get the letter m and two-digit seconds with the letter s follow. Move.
8h48
